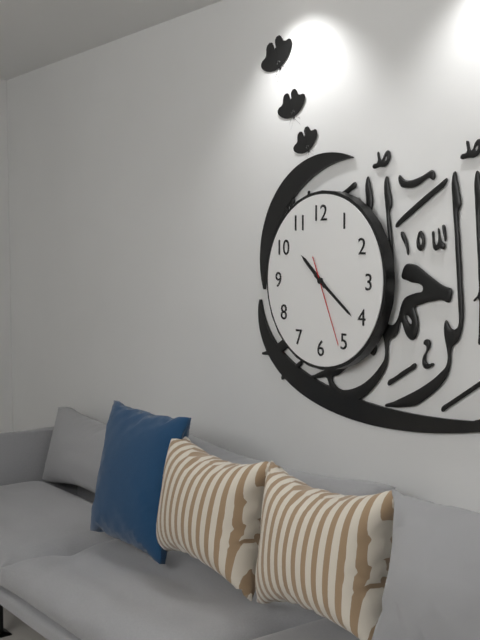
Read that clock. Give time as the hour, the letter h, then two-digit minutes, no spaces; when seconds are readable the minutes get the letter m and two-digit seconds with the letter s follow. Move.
10h21m26s
